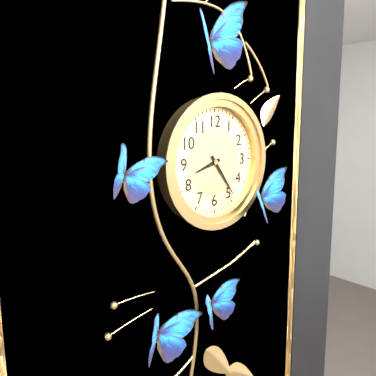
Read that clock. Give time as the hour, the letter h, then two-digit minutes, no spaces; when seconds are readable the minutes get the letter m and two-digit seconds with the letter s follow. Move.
8h24
